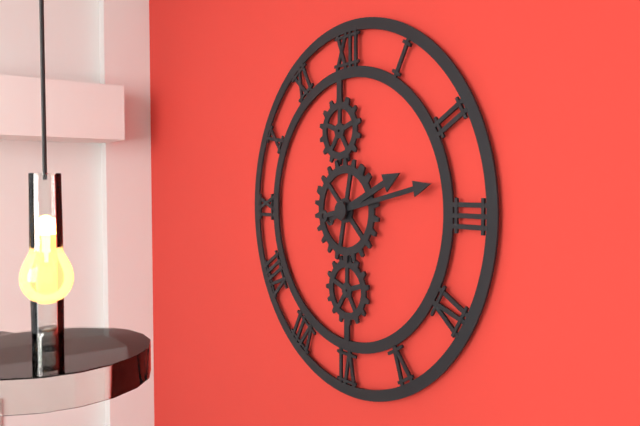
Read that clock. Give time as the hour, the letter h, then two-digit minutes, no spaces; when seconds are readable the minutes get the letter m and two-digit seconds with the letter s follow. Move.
2h13
